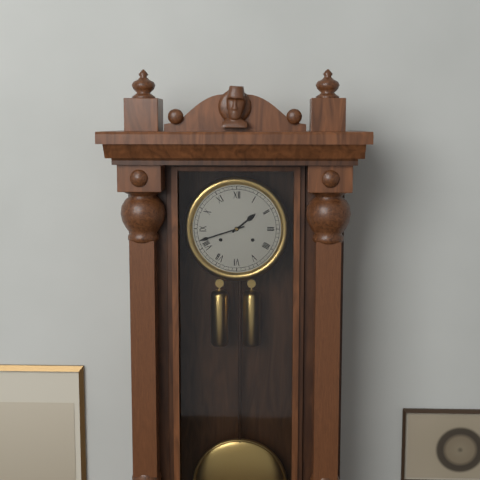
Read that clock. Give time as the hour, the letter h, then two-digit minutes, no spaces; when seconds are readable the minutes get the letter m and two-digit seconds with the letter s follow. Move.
1h42
